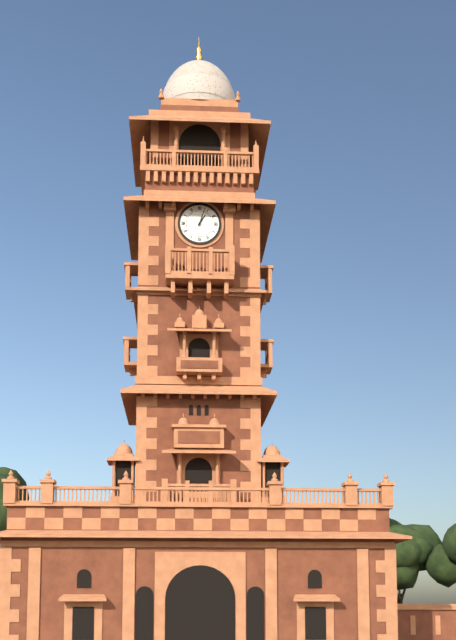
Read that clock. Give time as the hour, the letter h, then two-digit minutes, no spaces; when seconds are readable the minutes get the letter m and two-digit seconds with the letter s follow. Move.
1h03
